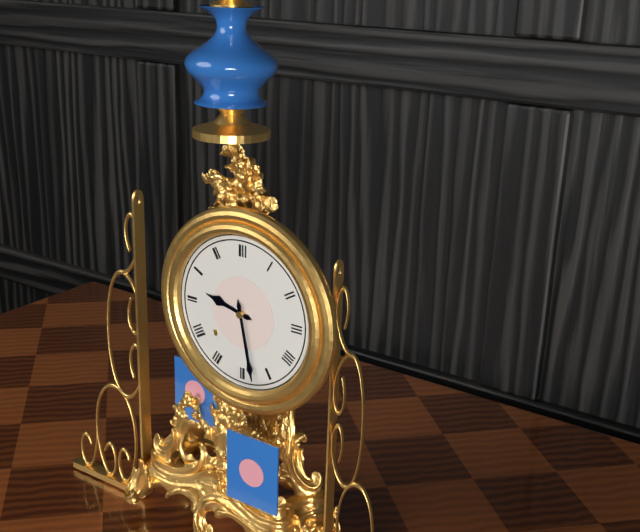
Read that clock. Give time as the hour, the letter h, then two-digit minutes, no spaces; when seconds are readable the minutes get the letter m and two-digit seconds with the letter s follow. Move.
9h28
